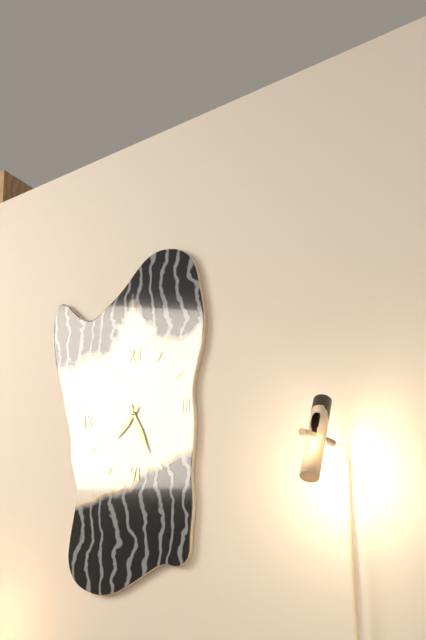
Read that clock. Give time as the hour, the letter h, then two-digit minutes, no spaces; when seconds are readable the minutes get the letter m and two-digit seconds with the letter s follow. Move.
7h26
